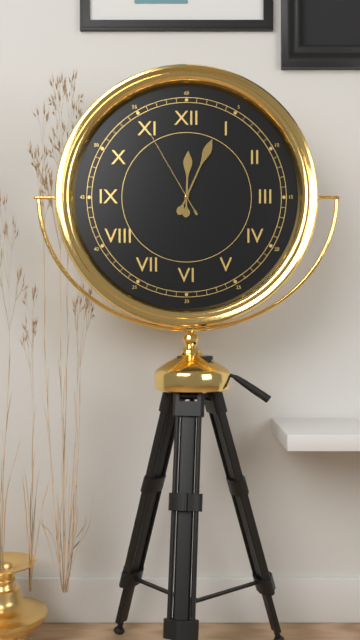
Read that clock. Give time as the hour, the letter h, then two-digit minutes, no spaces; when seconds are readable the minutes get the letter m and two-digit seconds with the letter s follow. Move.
12h04m55s
